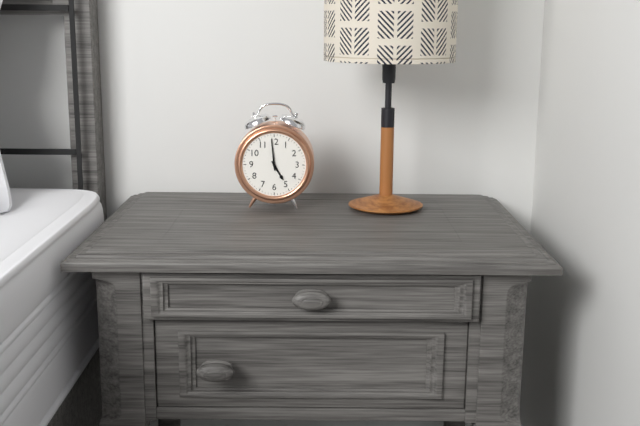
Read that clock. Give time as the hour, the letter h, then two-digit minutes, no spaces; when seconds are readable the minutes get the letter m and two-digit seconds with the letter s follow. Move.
4h59
